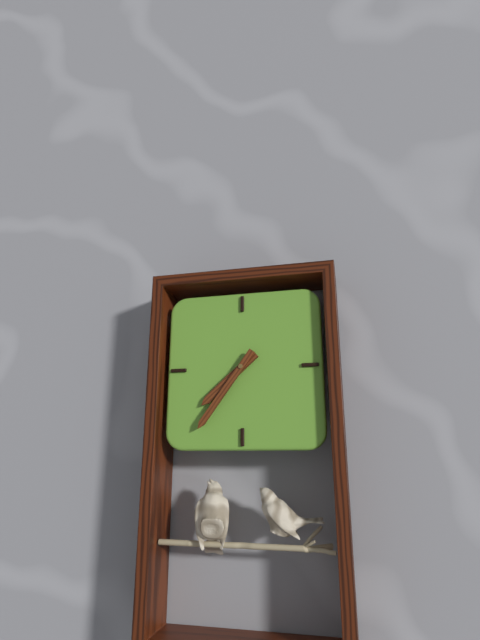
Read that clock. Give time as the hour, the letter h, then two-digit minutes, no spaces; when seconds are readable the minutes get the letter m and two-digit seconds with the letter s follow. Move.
7h36
